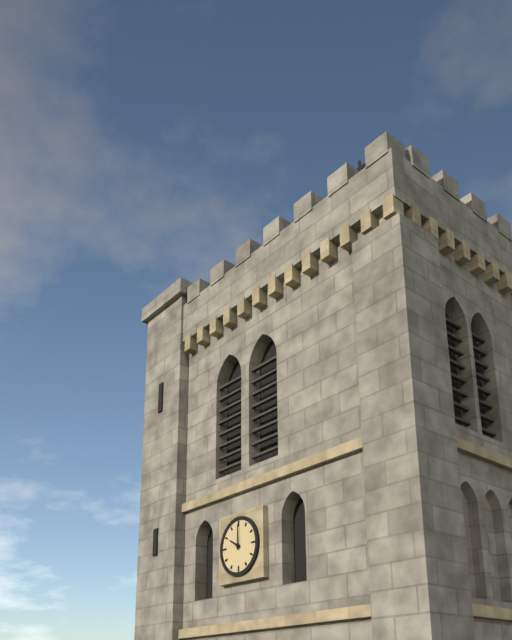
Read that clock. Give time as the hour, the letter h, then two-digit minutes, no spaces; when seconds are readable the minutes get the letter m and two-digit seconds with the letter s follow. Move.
10h00
